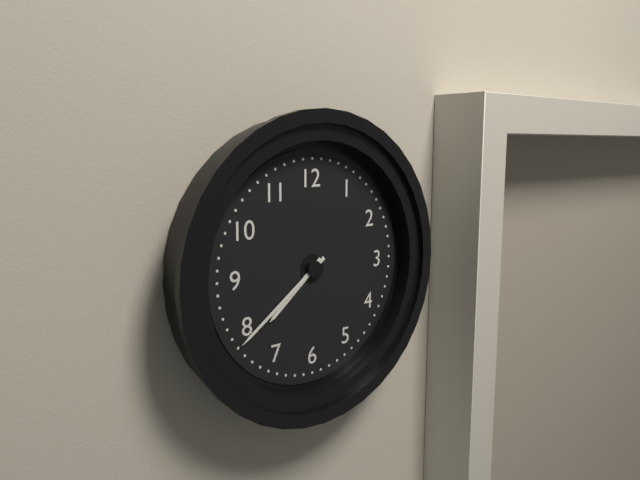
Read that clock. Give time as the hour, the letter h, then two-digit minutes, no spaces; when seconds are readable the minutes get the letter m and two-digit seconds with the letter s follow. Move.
7h39
